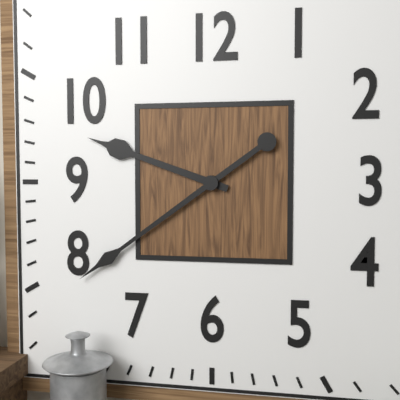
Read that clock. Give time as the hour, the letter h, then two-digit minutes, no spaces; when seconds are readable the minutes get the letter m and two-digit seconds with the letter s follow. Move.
9h39
